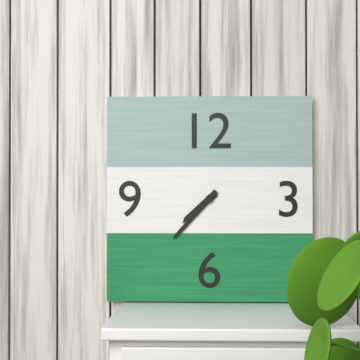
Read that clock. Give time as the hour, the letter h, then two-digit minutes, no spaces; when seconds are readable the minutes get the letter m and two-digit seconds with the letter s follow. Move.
7h37
